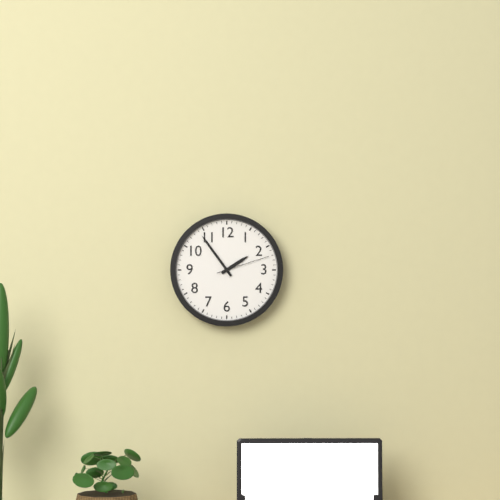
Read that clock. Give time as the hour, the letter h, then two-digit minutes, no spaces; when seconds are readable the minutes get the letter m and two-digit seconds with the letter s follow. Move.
1h54m12s
